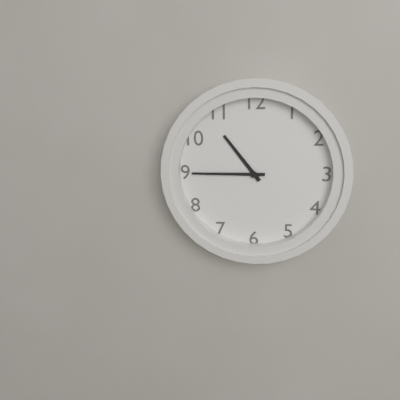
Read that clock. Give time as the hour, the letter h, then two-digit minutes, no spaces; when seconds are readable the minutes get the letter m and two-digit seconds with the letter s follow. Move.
10h45
